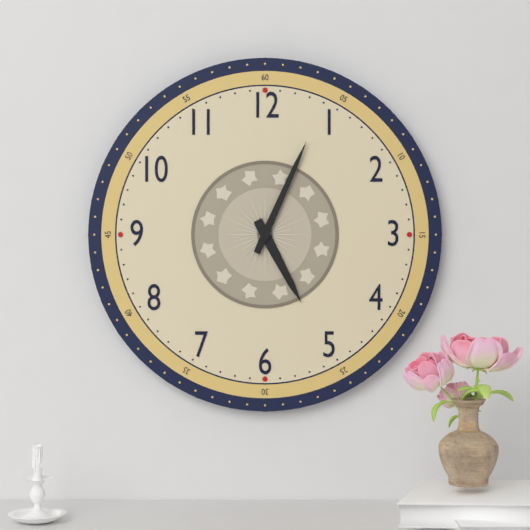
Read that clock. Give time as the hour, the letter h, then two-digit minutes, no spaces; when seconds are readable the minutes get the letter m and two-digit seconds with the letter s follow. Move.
5h04
